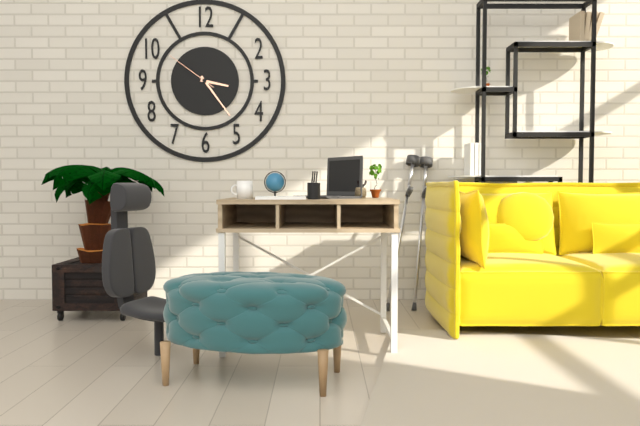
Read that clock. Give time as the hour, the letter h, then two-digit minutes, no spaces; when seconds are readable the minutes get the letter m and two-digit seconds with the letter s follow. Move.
3h24m51s
